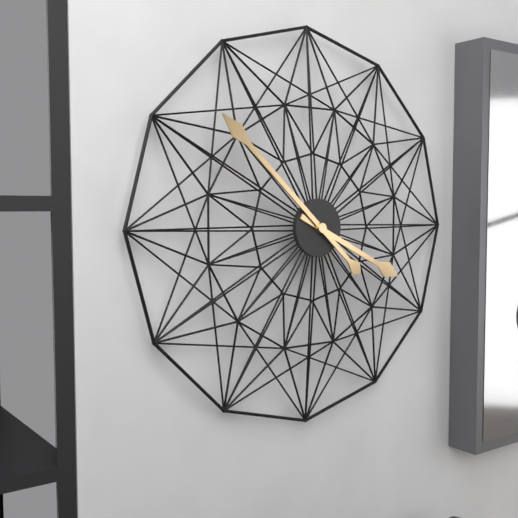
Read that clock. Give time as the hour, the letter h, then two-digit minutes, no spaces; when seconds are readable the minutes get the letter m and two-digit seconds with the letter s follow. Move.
3h52
